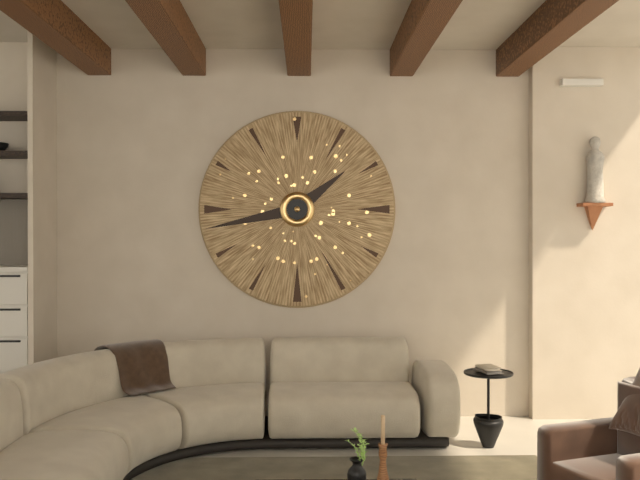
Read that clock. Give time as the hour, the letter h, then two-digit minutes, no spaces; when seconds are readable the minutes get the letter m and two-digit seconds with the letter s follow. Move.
1h43
